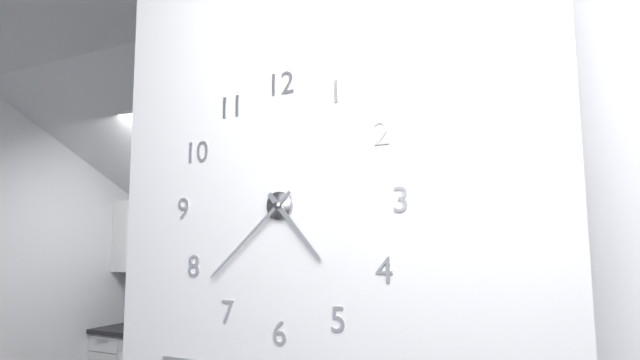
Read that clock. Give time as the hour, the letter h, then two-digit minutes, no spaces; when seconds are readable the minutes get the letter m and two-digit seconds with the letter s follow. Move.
4h38
